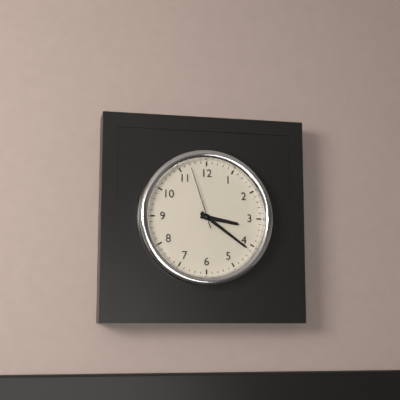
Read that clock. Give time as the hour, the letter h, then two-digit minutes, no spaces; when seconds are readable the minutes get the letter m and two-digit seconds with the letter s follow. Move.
3h21m57s
